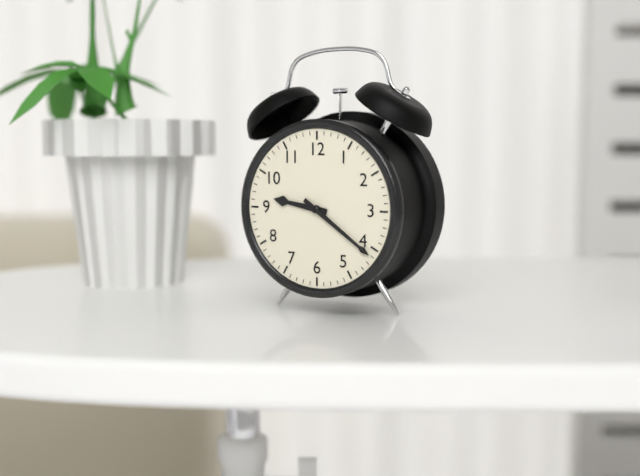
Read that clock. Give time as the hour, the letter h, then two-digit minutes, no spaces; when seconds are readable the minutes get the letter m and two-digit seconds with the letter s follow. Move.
9h21
